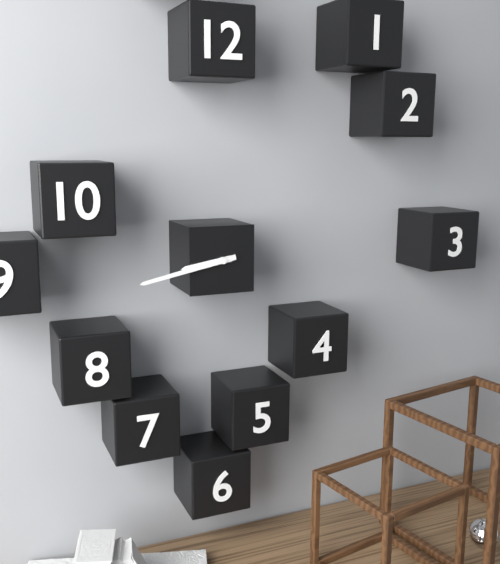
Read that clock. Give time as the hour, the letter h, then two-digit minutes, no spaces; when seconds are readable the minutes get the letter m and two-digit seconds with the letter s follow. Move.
8h43
